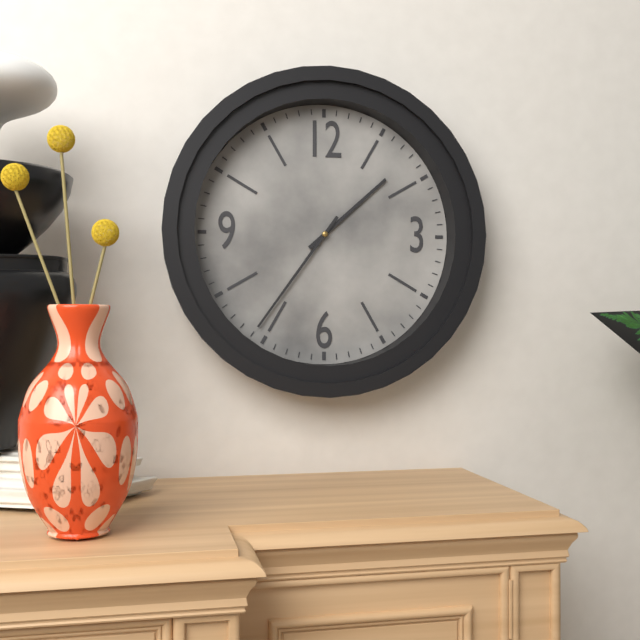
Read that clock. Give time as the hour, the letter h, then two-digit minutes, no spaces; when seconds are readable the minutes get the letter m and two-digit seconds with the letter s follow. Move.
1h36
